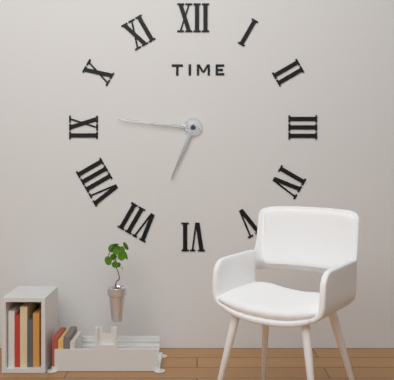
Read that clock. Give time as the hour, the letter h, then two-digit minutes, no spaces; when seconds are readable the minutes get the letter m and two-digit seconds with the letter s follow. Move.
6h46
